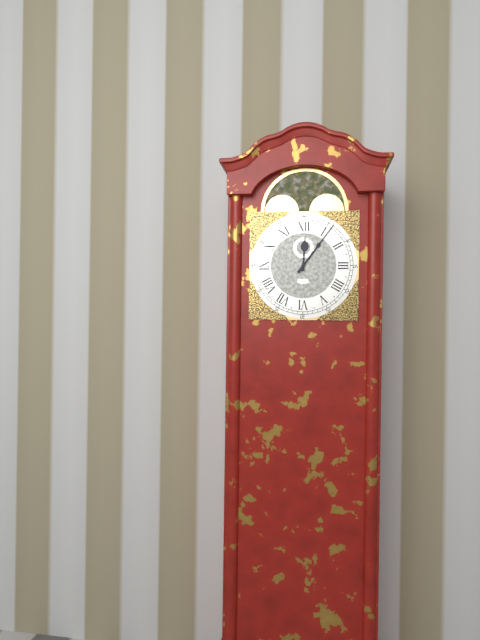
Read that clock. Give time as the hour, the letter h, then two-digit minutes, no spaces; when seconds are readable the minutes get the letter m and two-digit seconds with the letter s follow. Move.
12h06
